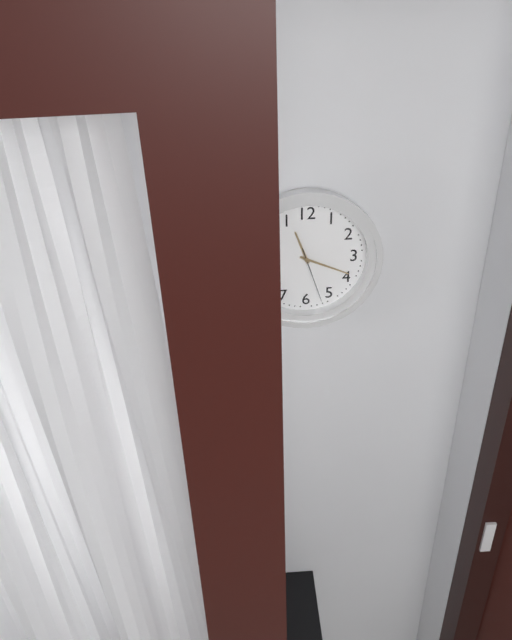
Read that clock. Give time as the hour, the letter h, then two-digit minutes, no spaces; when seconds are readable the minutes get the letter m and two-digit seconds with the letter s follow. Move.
11h19m27s
